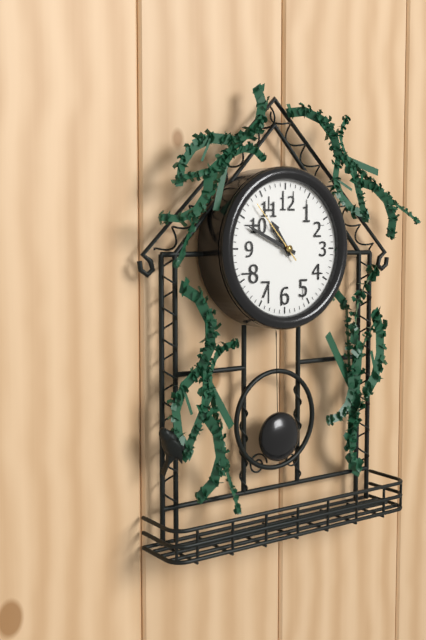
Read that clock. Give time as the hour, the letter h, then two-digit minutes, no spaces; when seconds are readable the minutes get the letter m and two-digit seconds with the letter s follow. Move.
10h49m53s
